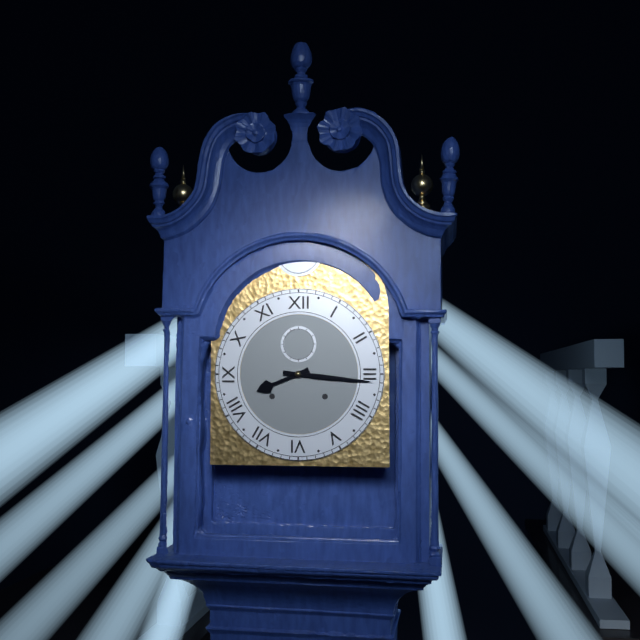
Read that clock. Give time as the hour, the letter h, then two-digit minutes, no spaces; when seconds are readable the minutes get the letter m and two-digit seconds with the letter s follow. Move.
8h16
